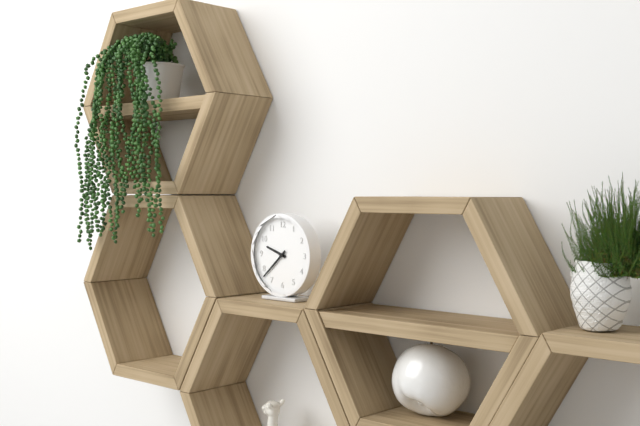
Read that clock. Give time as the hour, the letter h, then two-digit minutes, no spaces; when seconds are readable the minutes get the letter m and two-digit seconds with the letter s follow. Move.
9h38
